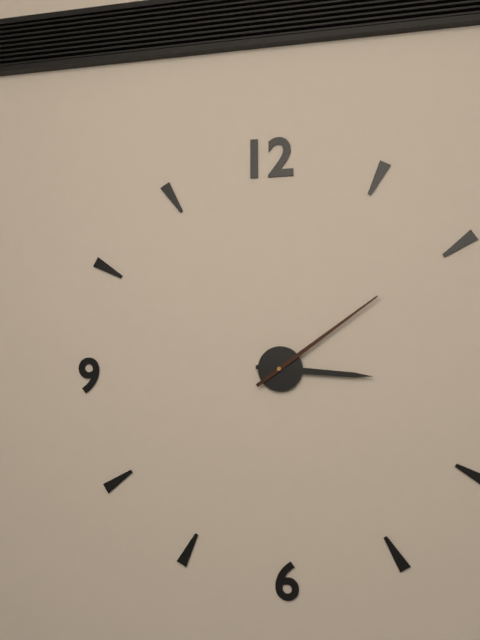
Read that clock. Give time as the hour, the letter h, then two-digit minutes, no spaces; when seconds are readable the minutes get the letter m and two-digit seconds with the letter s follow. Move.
3h09
